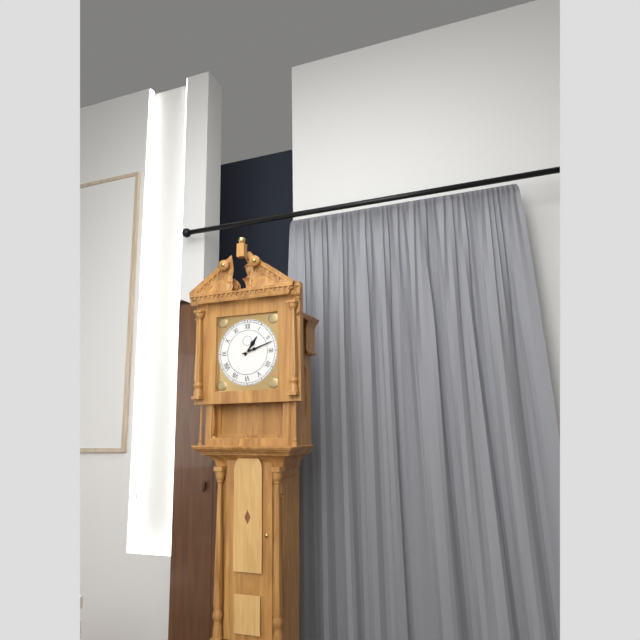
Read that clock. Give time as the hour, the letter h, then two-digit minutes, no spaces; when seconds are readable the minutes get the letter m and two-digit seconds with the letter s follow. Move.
1h12
